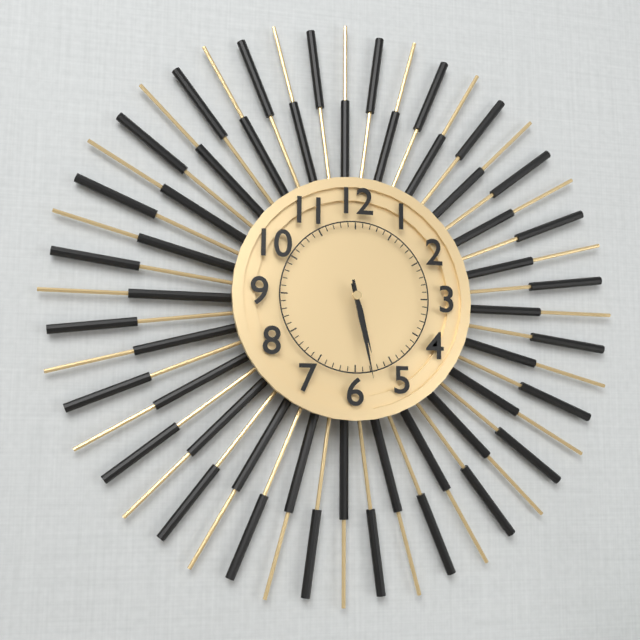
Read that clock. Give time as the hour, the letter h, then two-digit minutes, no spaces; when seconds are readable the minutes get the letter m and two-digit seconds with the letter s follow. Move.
5h28
